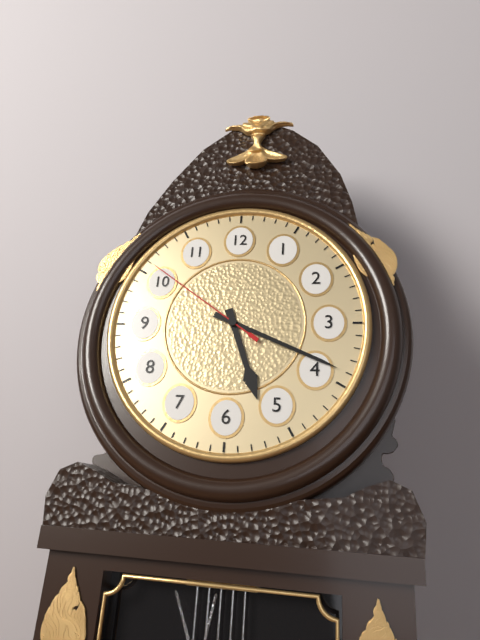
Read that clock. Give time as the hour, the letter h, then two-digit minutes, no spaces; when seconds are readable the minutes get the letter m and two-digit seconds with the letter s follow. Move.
5h19m51s
